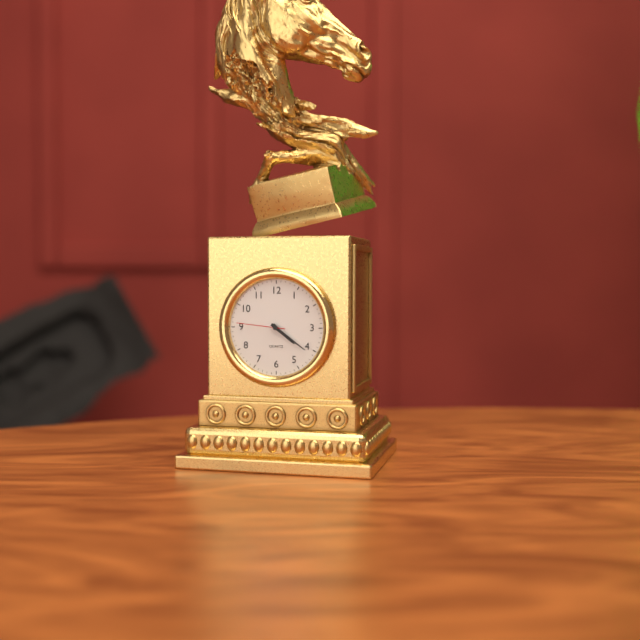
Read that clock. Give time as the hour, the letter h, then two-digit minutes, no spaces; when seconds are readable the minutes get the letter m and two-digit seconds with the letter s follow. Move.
4h21m46s
